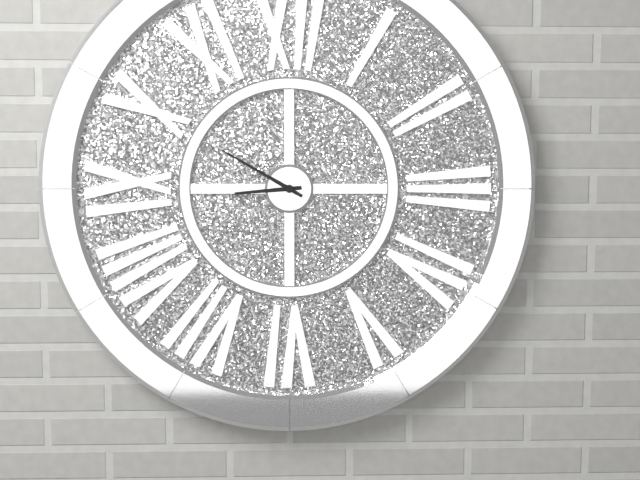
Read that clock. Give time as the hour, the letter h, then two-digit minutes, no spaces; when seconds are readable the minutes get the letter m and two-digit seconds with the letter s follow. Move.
8h50
